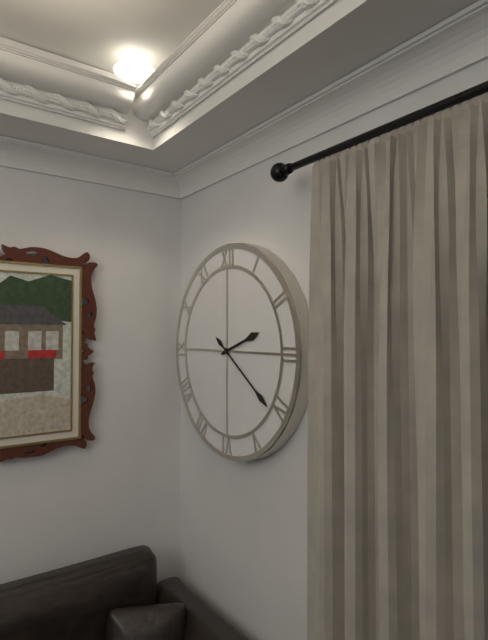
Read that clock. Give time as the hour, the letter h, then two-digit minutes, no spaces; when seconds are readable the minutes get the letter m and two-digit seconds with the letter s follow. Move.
2h21
